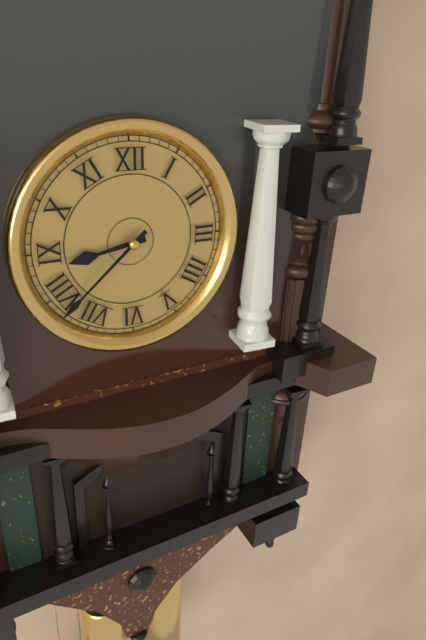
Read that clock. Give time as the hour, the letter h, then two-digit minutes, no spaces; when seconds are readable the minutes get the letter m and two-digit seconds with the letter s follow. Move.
8h38
